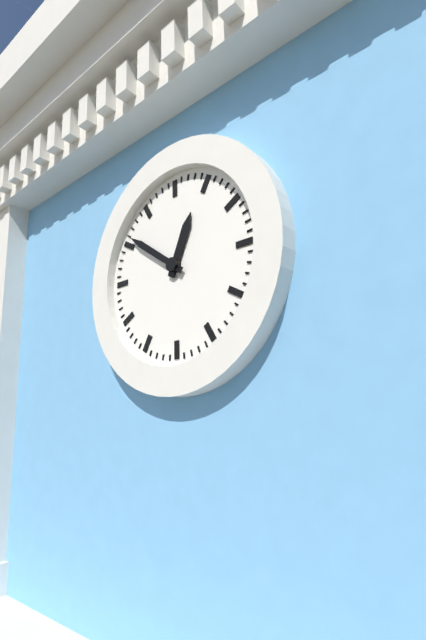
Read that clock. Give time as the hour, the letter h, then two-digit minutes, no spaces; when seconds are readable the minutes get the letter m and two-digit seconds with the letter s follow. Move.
12h51
